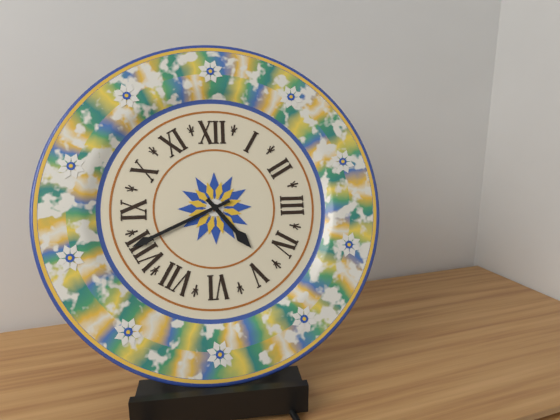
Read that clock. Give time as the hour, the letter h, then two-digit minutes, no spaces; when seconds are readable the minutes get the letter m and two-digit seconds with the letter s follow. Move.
4h41
